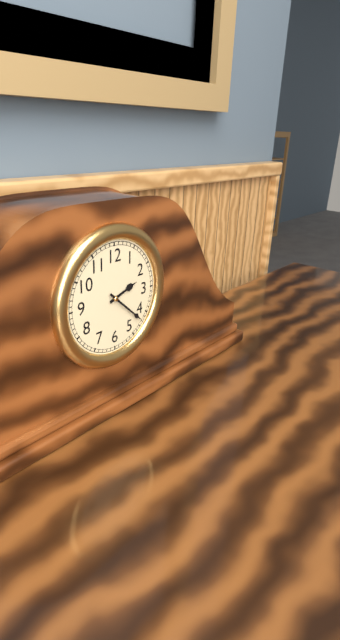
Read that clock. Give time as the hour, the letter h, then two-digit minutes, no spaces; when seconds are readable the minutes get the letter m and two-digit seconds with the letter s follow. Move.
2h22
